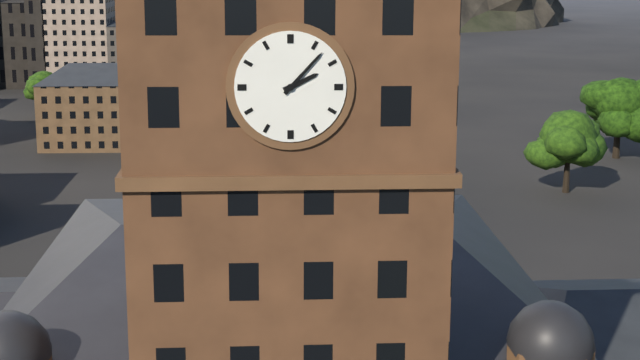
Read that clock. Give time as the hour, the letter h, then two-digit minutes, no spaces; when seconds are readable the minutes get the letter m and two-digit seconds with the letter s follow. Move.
2h07
